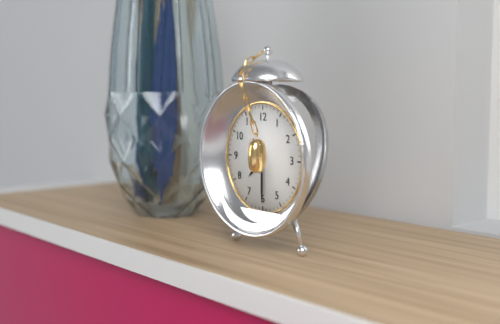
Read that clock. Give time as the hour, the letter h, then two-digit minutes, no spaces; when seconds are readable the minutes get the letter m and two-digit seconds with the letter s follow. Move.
7h30
